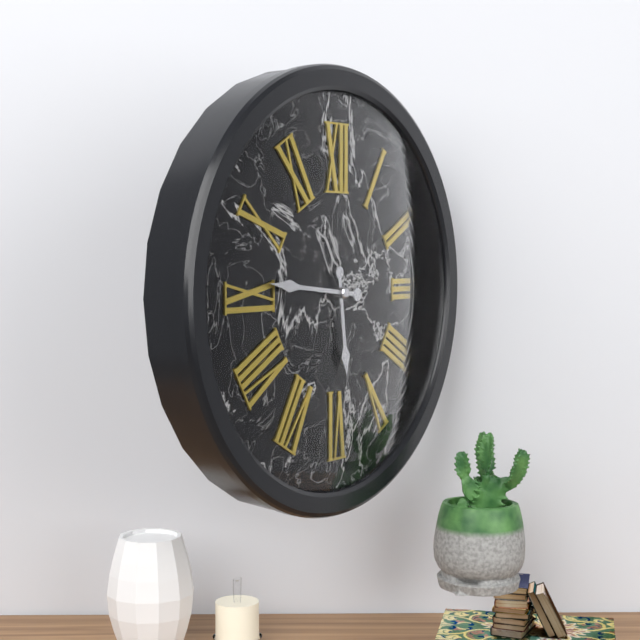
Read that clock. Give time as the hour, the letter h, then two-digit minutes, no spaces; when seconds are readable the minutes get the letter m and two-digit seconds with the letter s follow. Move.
5h46
